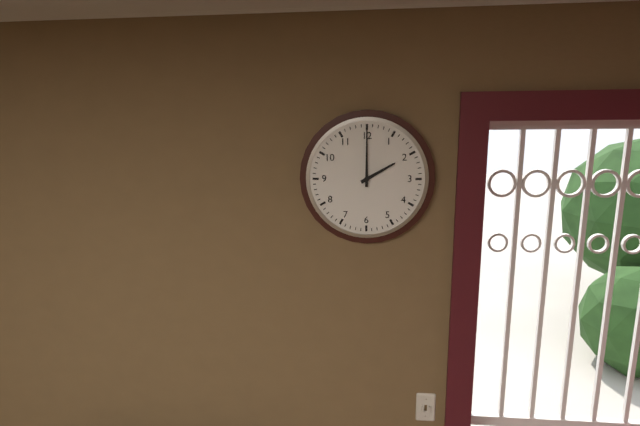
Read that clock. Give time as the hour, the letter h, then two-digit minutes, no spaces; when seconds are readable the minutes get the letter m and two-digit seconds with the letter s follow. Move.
2h00
